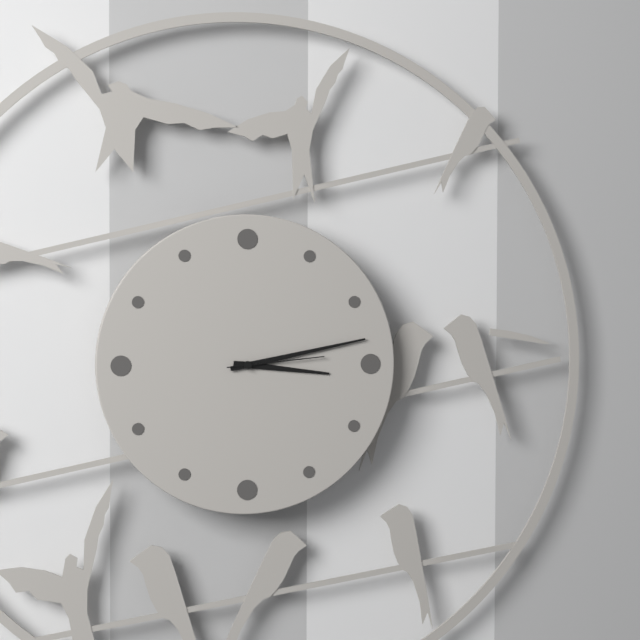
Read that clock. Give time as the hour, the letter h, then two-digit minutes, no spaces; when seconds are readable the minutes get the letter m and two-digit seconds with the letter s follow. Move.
3h13m14s
